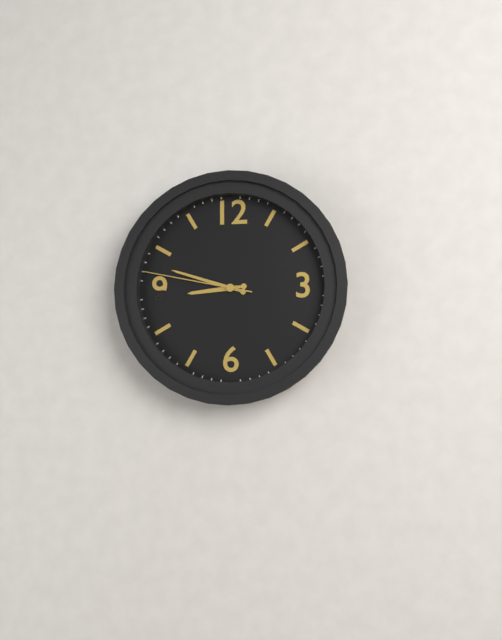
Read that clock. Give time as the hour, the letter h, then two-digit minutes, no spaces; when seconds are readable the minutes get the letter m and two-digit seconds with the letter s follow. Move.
8h48m47s
